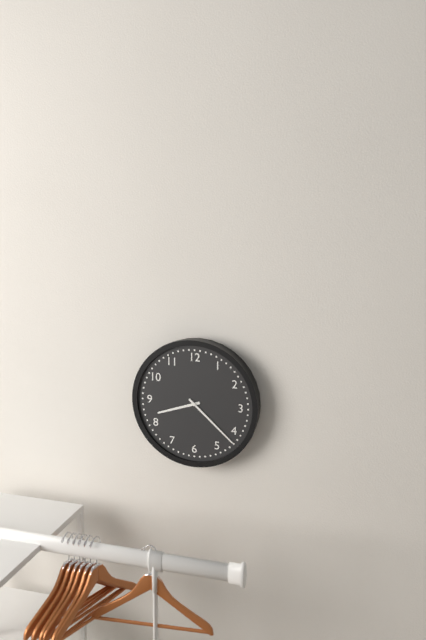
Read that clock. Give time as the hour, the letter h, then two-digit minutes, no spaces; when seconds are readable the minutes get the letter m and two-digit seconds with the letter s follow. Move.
8h22
